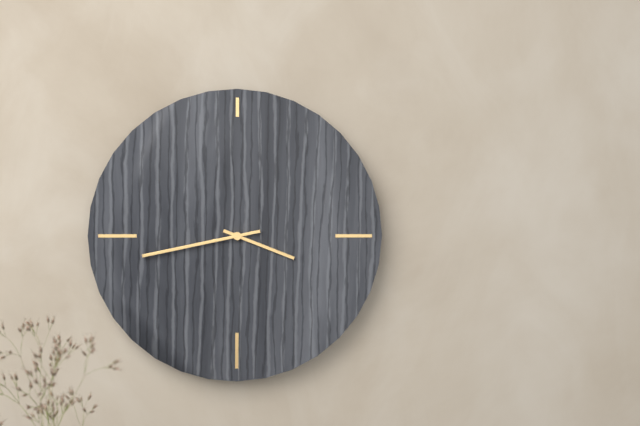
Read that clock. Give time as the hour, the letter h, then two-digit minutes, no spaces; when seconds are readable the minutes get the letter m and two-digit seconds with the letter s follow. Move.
3h43
